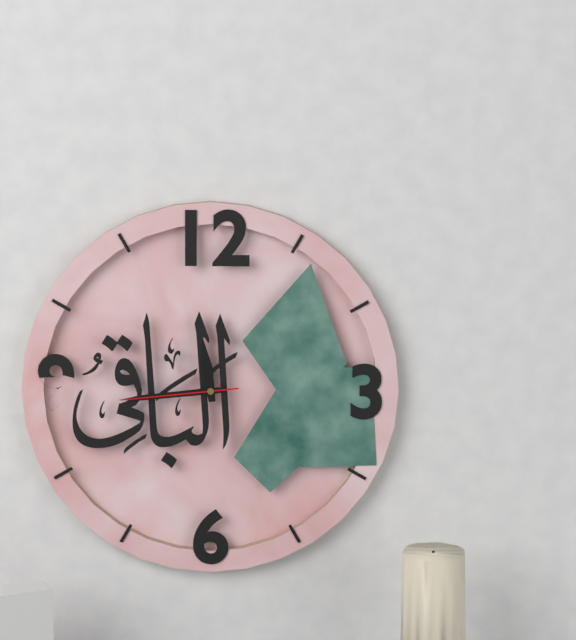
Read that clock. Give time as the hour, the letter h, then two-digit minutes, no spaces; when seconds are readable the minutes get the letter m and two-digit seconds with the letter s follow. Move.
11h44m44s
